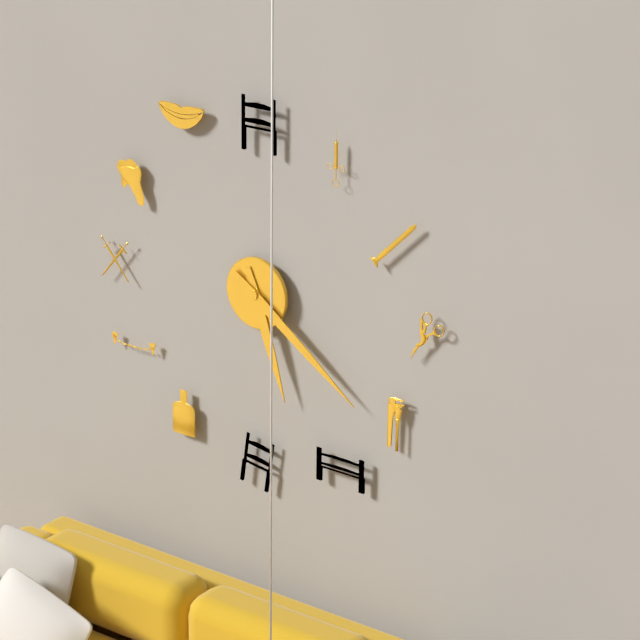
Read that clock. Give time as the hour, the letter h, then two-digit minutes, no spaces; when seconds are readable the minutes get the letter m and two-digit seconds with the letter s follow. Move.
5h21
